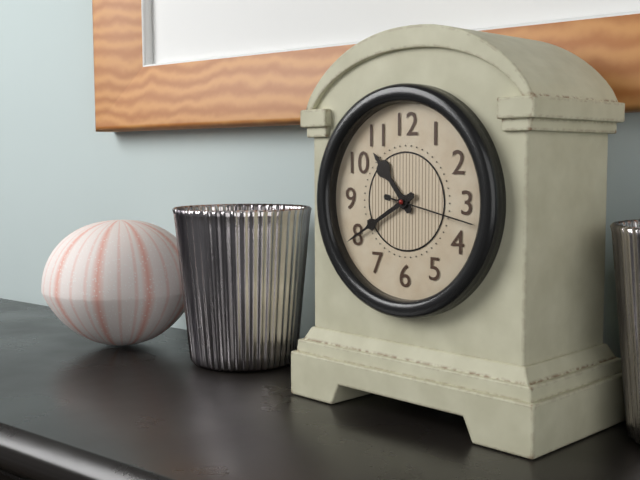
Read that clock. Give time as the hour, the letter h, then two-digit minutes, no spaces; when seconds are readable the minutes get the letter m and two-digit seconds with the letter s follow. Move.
10h40m17s
